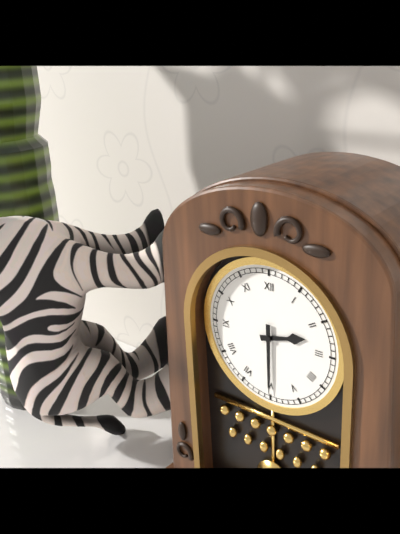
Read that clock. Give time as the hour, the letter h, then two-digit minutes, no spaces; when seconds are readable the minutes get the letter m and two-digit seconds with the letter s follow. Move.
2h30
